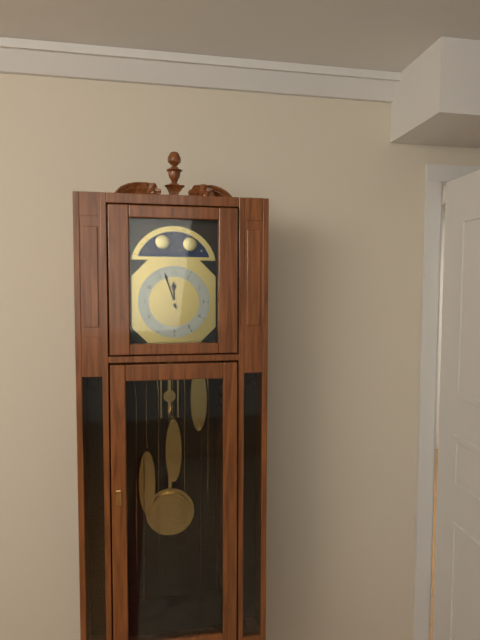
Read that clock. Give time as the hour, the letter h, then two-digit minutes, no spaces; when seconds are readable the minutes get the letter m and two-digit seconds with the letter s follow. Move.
11h57
